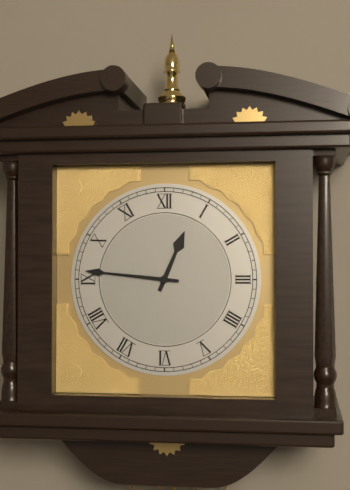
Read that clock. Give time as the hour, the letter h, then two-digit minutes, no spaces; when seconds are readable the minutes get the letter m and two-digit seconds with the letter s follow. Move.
12h46
